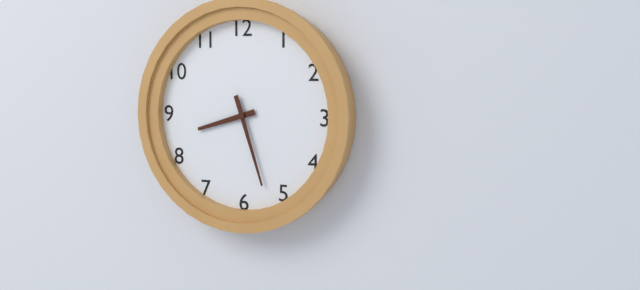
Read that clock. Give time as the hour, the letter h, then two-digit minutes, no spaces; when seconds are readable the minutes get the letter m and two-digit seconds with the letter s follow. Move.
8h27
